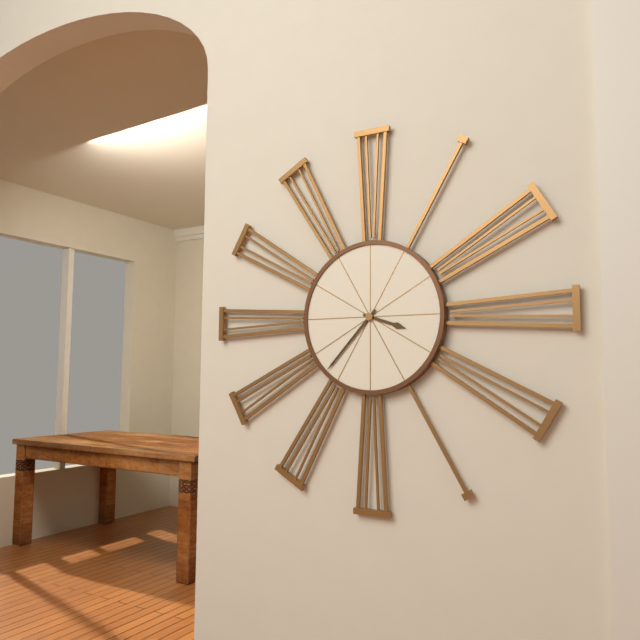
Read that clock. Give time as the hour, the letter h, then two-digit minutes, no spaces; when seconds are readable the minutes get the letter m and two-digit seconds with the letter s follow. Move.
3h37
